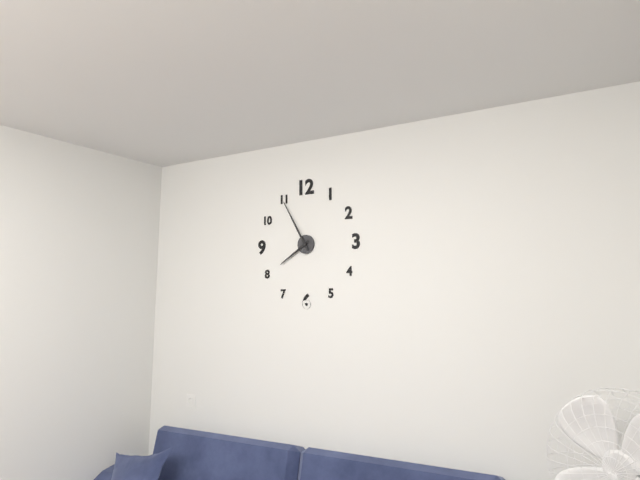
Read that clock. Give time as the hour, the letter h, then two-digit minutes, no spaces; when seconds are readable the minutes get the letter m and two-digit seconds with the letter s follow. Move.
7h55
